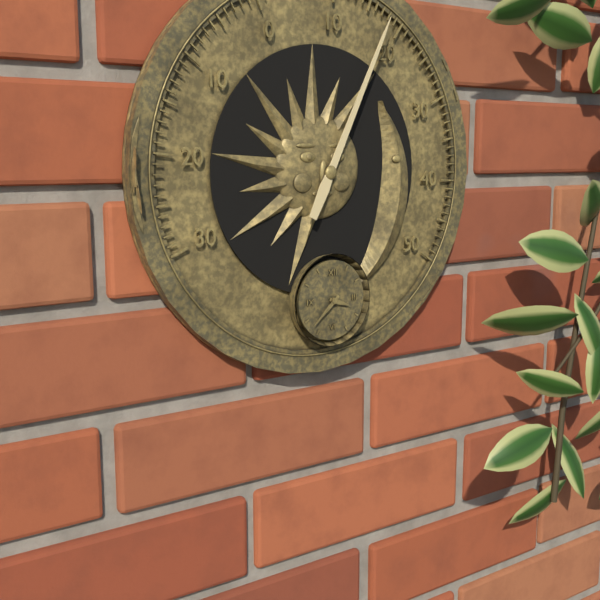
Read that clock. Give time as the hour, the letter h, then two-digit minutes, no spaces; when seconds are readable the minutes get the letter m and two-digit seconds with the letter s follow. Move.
3h38
